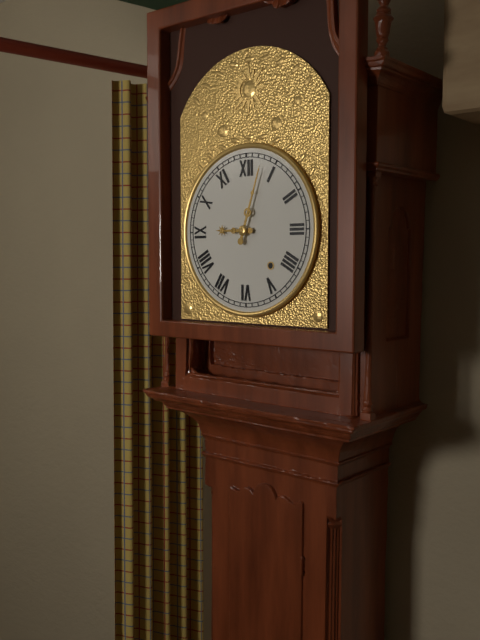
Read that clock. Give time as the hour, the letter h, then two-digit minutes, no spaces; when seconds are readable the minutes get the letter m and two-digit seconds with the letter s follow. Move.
9h03
